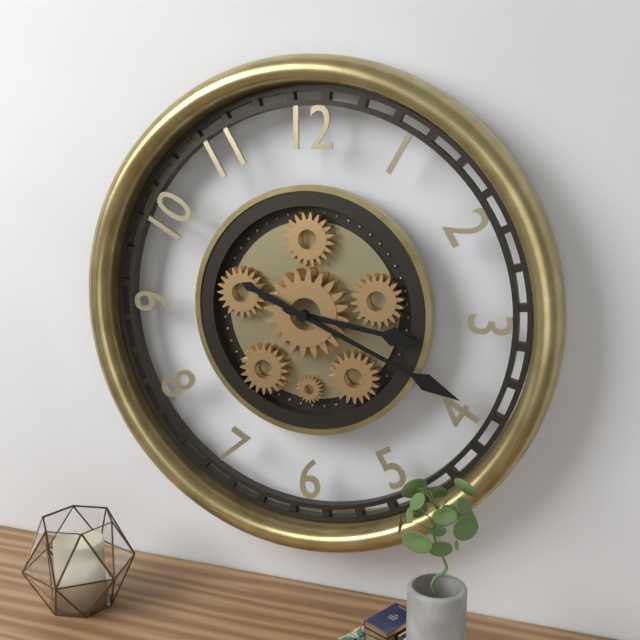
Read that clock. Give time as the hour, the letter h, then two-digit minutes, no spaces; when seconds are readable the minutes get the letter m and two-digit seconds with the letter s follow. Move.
3h19
